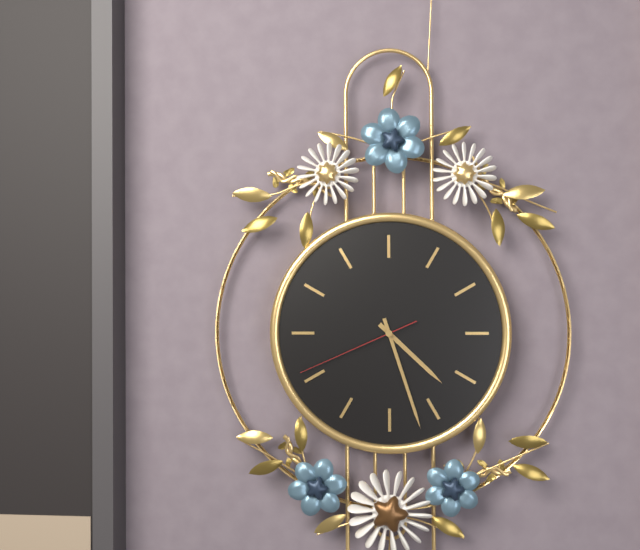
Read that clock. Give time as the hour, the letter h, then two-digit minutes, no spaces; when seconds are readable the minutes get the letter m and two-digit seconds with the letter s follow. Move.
4h27m41s
